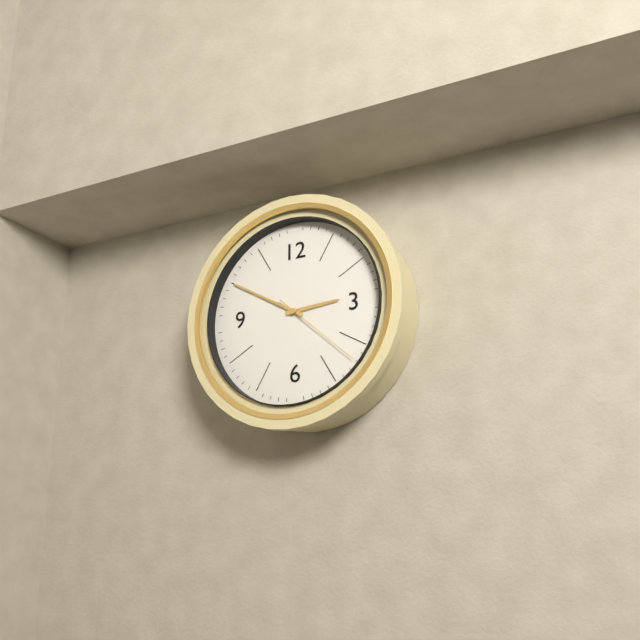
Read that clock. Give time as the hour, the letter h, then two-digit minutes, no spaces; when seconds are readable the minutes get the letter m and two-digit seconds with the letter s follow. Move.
2h50m22s
